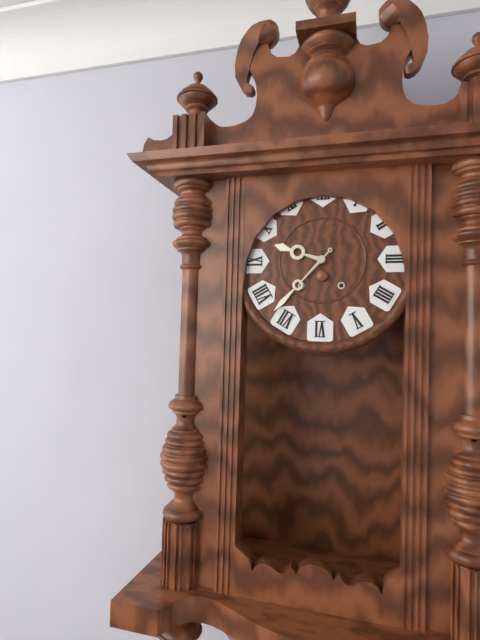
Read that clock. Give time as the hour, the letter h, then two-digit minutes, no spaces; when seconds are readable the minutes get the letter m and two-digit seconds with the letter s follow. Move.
9h37
